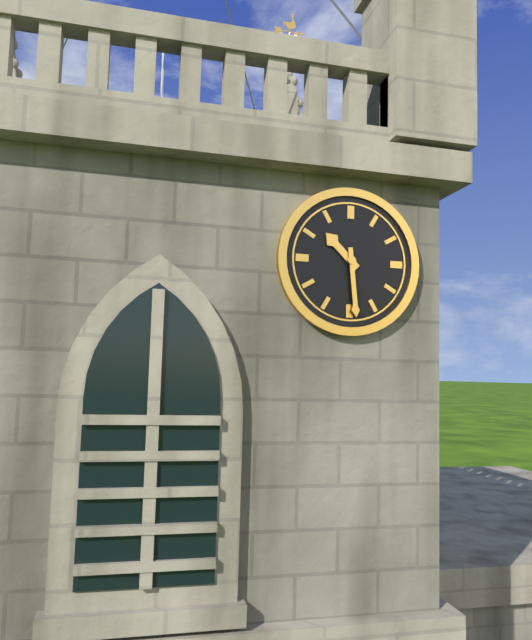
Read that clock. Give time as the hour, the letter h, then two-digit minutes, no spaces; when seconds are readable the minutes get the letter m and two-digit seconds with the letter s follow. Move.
10h29
